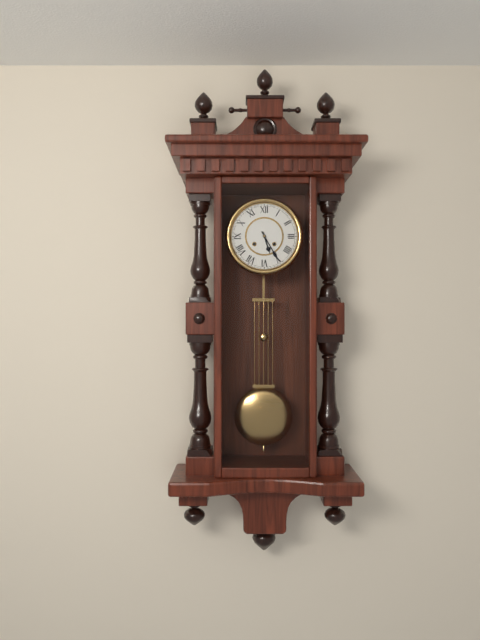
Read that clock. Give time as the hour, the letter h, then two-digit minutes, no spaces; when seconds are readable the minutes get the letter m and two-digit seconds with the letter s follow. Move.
5h25
